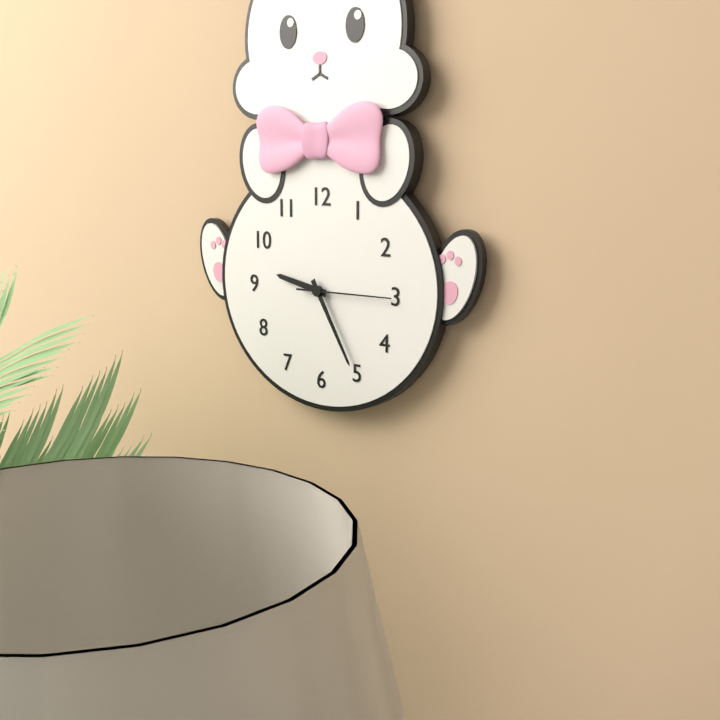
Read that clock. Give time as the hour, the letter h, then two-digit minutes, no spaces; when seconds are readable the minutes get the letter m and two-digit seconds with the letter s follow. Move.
9h25m15s
